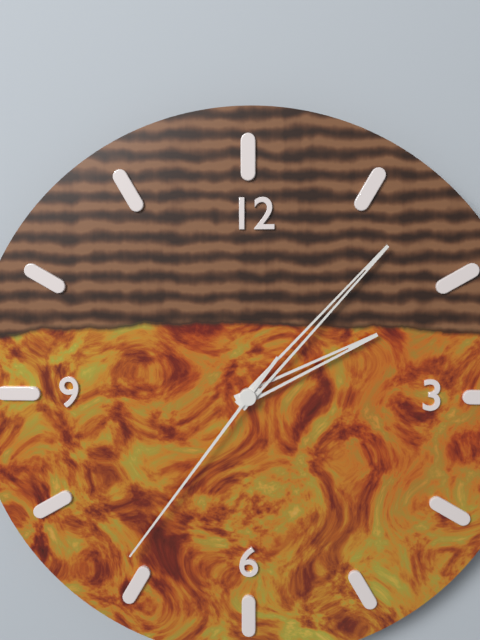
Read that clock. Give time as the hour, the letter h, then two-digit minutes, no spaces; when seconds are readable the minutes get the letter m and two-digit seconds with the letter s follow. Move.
2h07m36s
